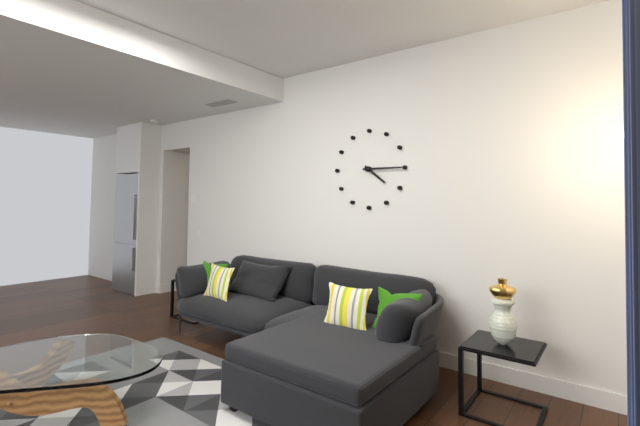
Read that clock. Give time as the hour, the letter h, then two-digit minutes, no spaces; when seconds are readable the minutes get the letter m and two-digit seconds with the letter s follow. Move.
4h15
